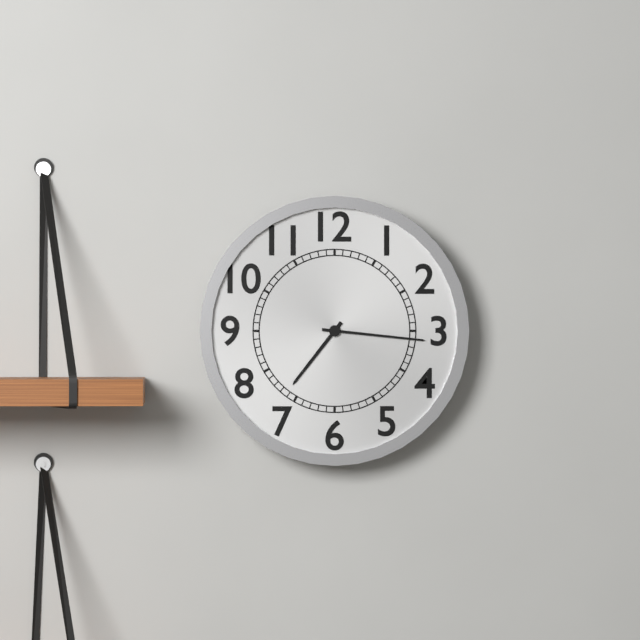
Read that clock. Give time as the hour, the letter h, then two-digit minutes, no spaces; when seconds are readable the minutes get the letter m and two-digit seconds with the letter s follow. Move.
7h16
